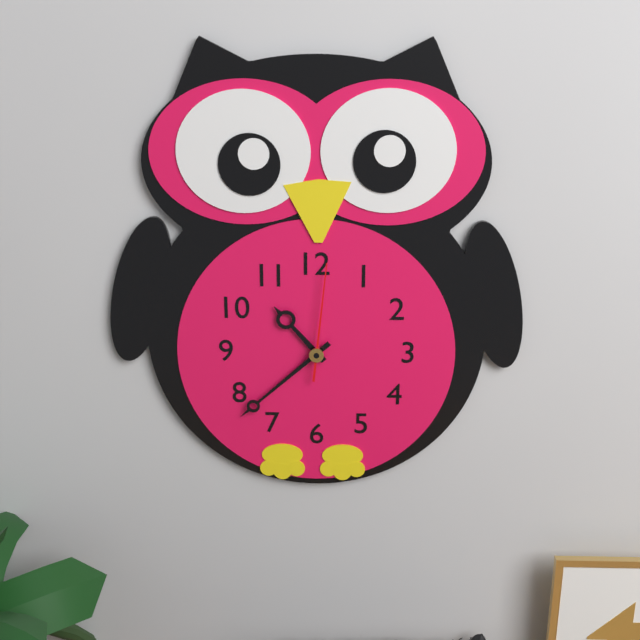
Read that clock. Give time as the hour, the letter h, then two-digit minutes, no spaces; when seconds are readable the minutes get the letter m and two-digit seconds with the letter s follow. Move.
10h38m01s
